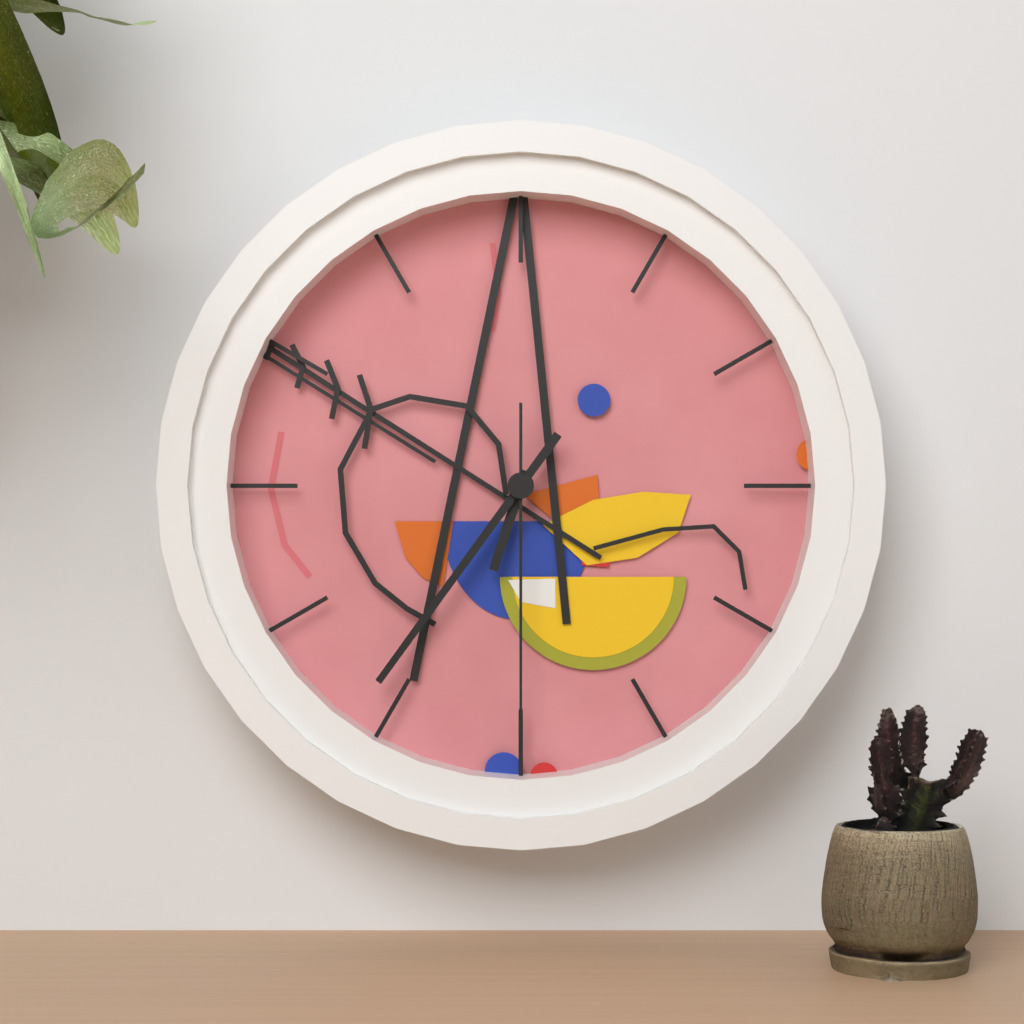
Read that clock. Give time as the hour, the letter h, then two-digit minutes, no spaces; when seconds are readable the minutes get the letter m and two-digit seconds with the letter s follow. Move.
6h36m30s
